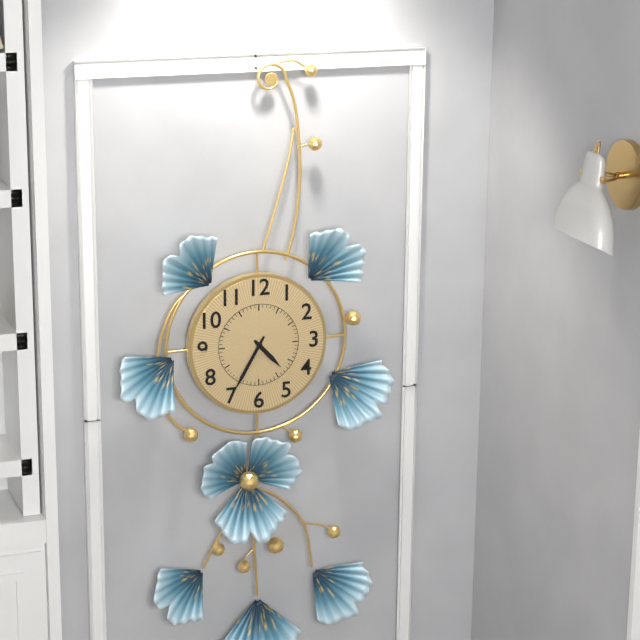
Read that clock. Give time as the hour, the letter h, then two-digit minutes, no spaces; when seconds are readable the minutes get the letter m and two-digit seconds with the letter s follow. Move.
4h35
